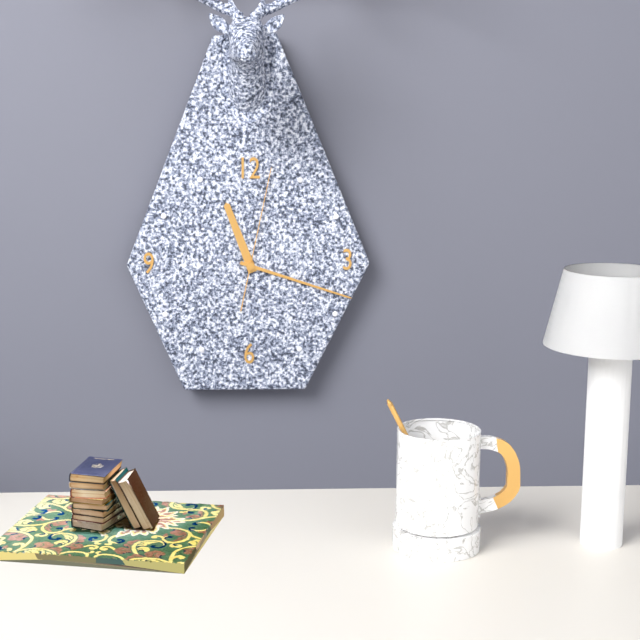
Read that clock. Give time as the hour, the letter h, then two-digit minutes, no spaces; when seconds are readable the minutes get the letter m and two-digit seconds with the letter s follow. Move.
11h18m02s
